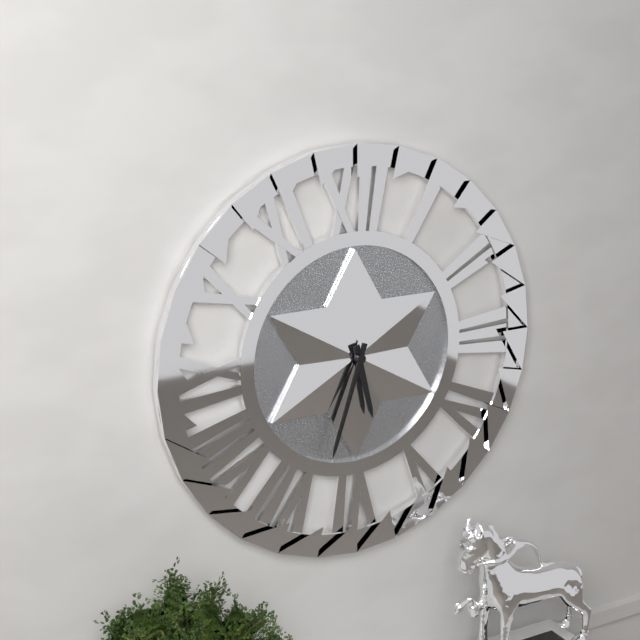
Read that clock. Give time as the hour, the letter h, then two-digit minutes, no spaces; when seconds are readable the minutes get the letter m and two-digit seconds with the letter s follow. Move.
5h33
